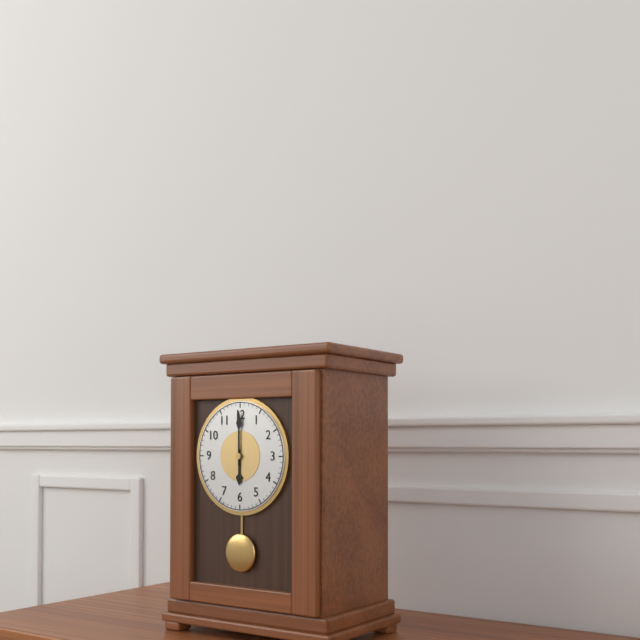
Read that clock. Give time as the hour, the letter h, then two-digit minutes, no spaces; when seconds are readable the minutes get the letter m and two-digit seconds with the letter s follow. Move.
6h00
